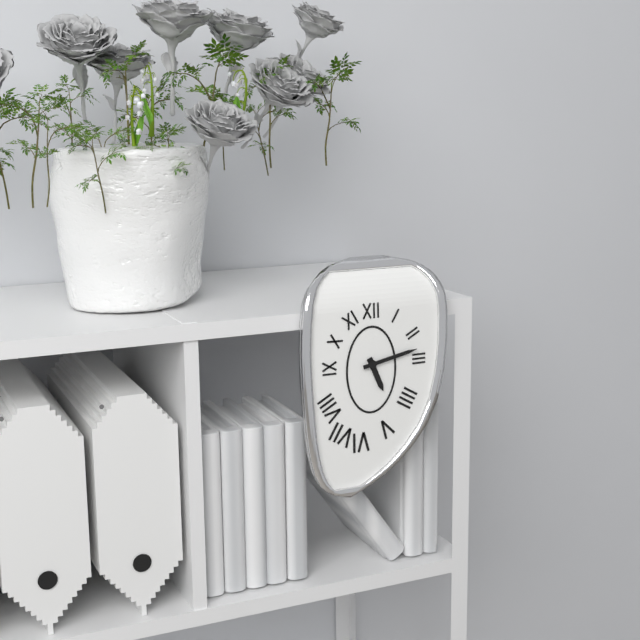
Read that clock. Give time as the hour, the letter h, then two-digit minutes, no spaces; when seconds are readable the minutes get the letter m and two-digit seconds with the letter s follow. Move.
5h13
